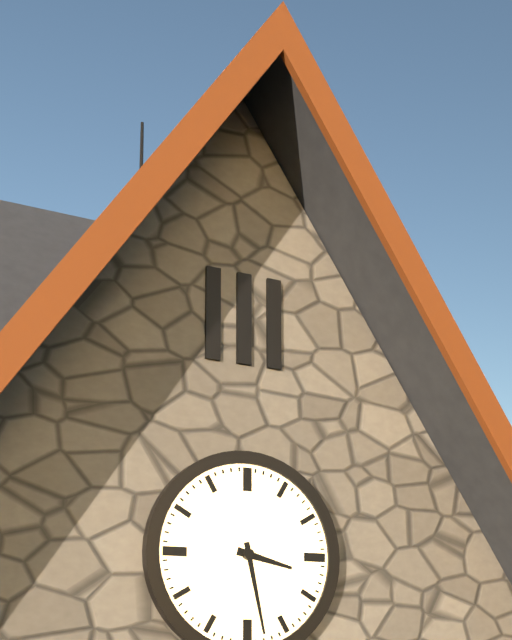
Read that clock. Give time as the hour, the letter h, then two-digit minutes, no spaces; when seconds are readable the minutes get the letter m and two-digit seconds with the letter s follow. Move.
3h28
